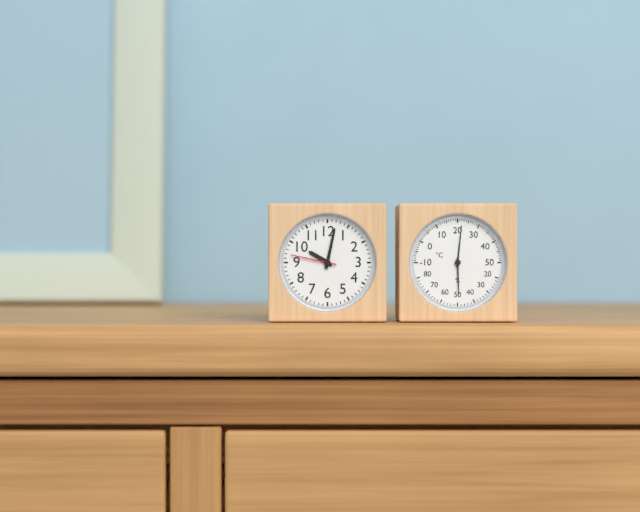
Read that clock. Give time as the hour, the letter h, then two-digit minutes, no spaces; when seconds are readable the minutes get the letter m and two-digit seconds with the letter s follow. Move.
10h02
